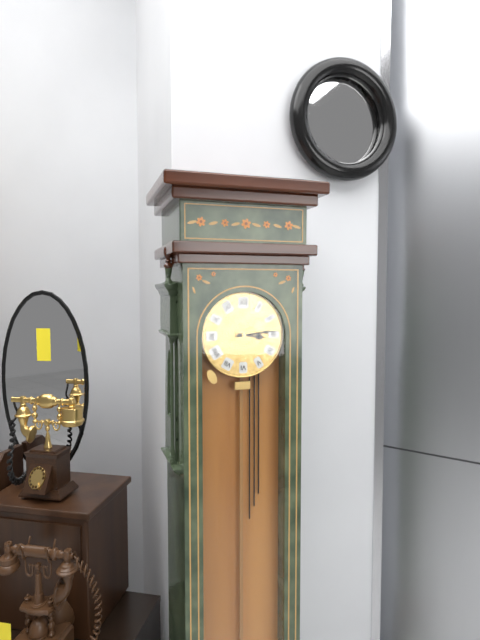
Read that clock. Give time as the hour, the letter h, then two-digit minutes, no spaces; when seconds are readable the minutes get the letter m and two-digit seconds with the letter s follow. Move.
3h14
